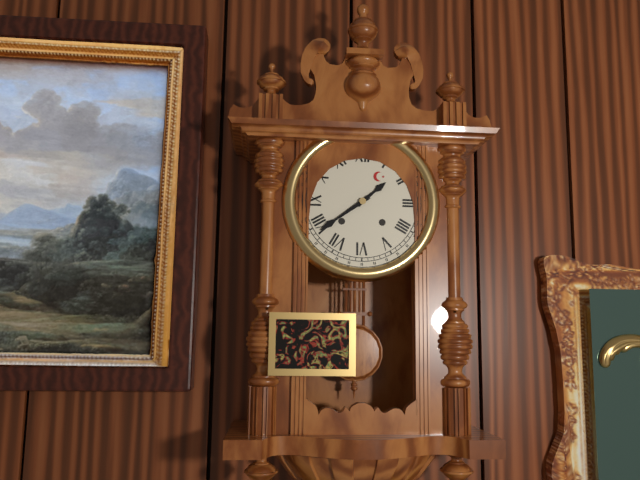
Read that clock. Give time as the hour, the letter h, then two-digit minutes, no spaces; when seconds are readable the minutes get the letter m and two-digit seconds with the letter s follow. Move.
1h39
